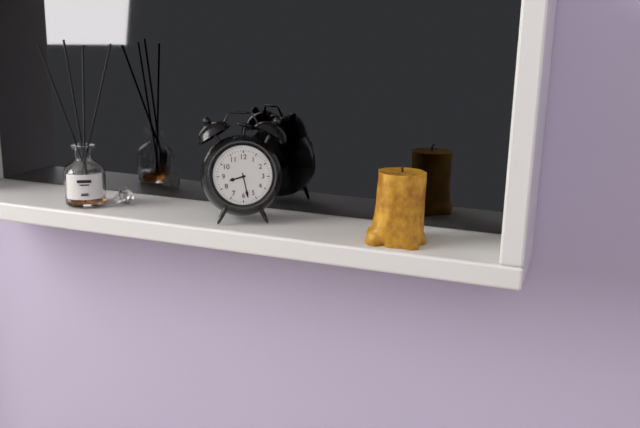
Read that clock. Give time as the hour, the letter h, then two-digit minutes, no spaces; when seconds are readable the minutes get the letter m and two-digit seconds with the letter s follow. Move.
8h28
